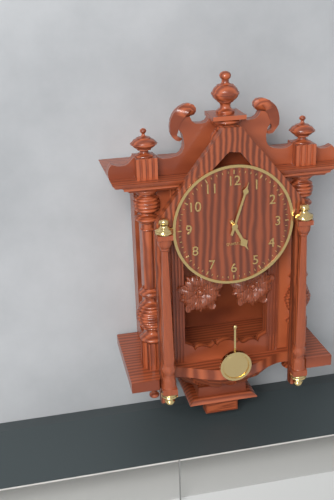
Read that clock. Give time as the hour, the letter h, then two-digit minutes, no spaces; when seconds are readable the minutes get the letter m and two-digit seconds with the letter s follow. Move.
5h03
